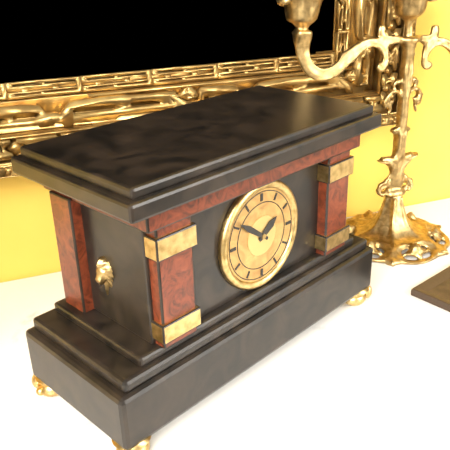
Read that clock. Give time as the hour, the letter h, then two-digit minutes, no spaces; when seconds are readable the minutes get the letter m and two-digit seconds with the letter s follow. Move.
1h51
